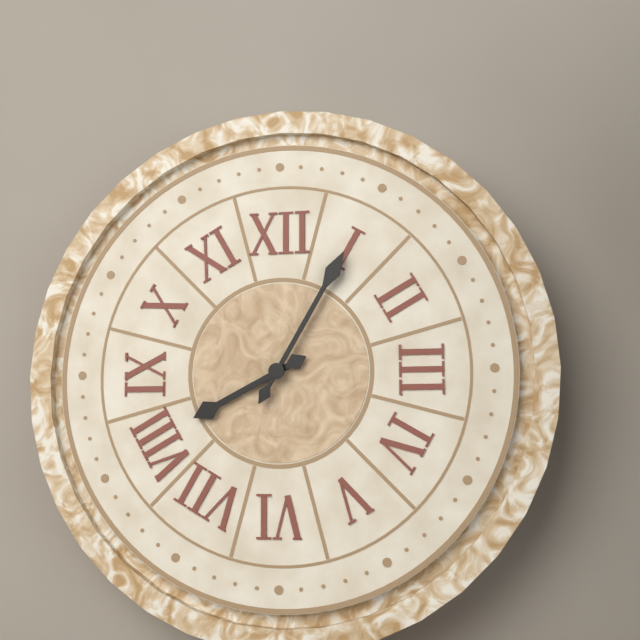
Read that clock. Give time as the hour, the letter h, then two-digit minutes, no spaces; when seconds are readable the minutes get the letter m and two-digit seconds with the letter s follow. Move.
8h05
